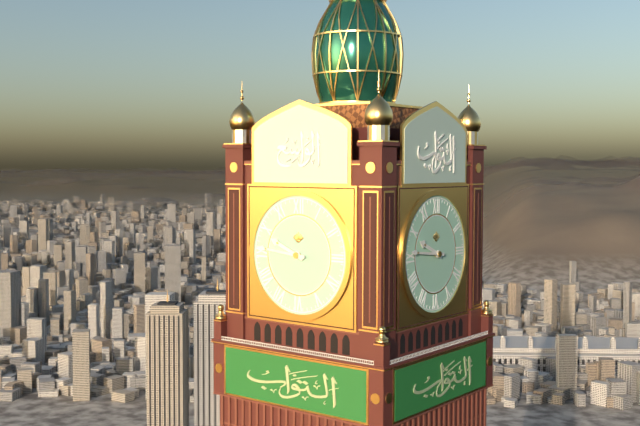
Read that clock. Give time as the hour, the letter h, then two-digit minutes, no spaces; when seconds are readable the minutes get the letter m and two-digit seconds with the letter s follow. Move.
9h46
